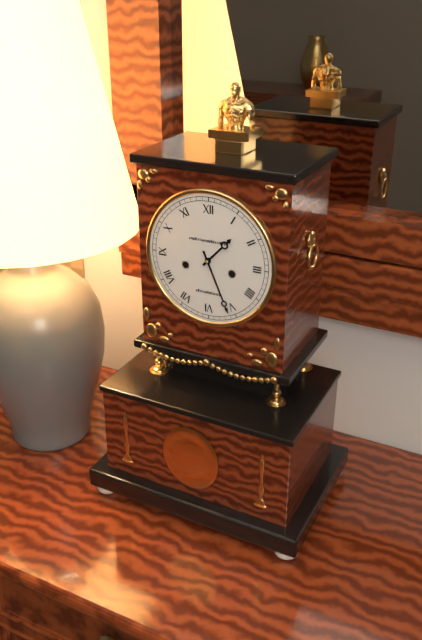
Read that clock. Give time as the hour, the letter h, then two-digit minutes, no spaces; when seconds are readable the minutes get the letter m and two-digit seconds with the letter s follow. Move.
1h26
